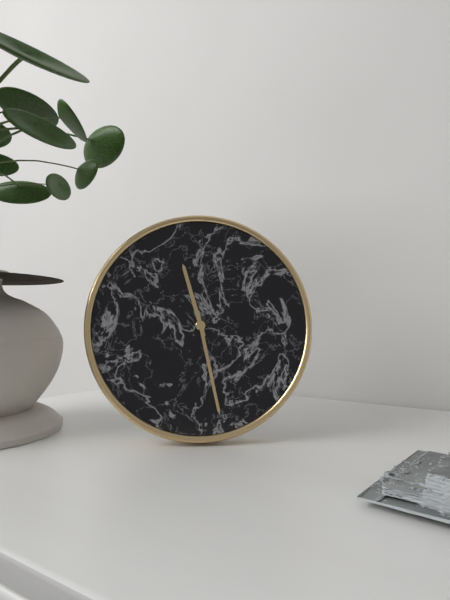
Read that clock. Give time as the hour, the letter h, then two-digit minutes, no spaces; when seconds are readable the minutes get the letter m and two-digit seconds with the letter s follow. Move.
11h28
